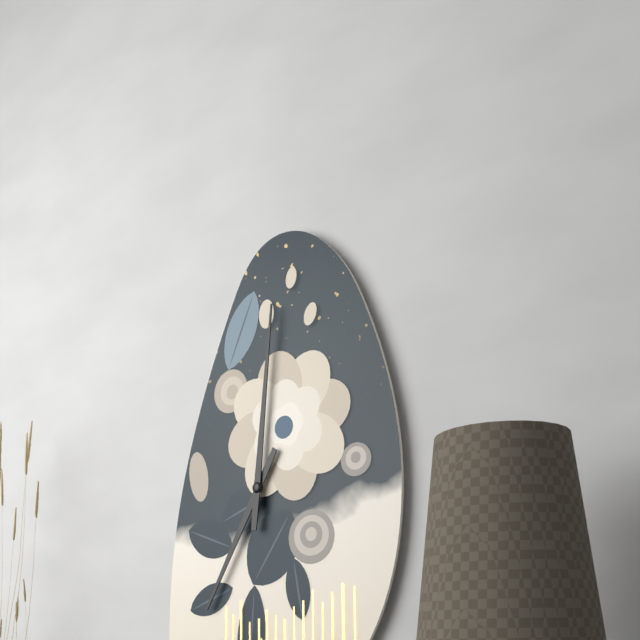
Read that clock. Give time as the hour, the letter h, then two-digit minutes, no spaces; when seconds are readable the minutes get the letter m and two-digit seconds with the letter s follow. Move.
7h01
